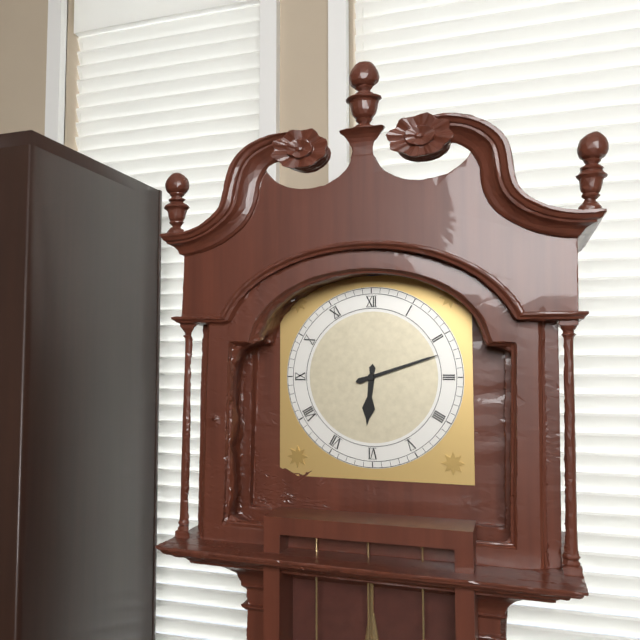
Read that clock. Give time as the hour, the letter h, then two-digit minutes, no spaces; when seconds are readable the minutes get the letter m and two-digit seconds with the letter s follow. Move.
6h12
